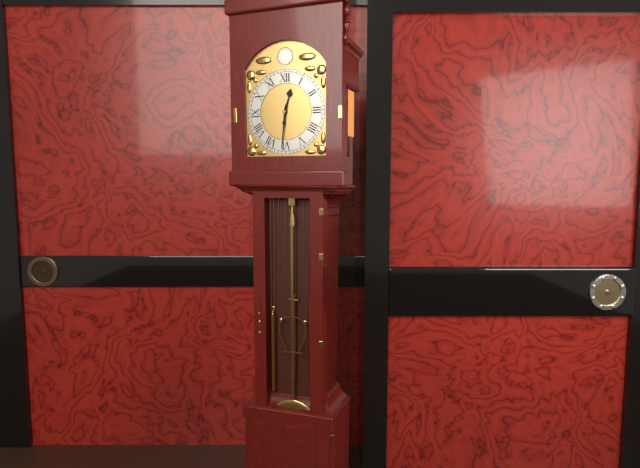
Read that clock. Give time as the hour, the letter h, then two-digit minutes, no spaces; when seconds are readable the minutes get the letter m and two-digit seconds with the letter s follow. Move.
12h31
